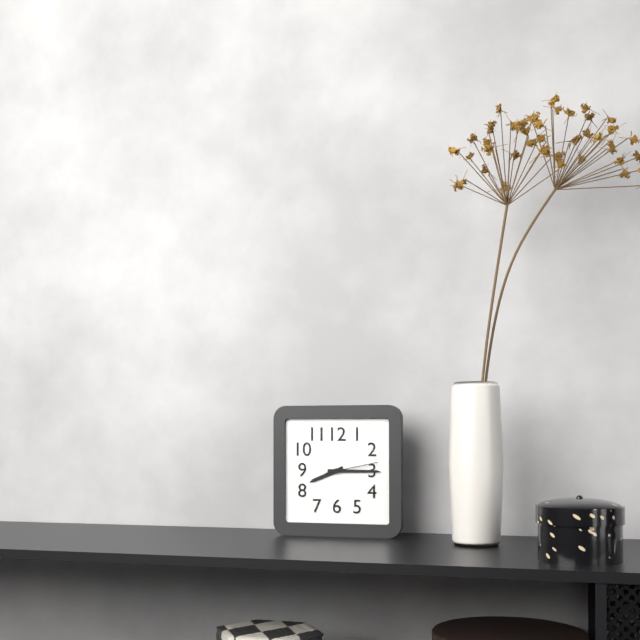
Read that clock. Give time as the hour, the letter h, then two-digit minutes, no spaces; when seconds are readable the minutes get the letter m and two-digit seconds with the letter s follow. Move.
8h15m13s
